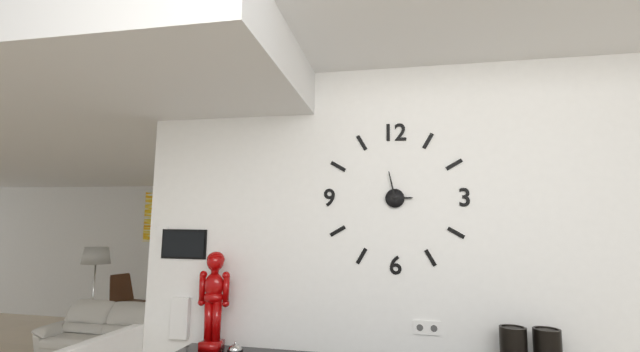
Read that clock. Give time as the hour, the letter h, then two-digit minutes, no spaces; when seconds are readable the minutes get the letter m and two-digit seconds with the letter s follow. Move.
2h58
